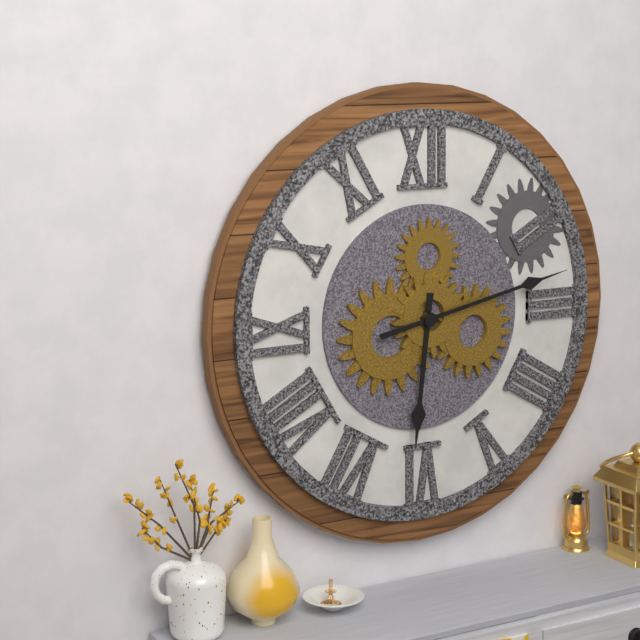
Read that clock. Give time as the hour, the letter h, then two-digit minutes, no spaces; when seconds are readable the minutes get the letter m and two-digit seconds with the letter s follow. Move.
6h13
